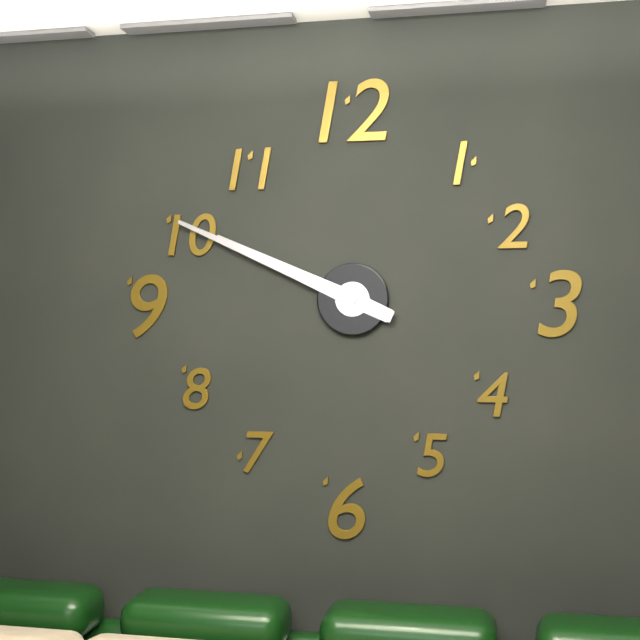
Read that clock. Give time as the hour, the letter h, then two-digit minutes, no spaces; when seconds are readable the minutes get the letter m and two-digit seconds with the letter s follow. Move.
9h49
